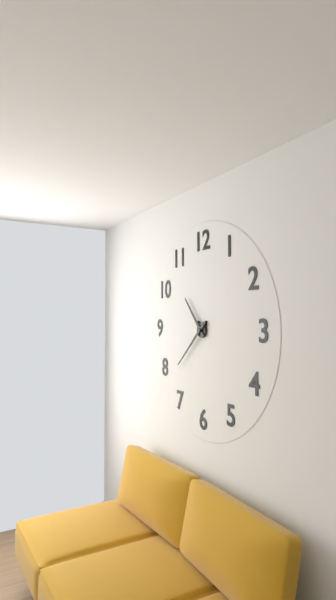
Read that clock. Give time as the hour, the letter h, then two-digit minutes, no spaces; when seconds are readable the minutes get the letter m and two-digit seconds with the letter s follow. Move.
10h38
